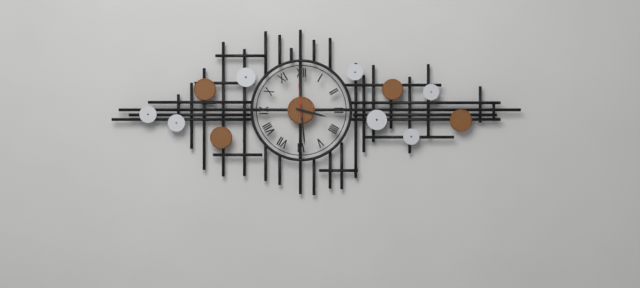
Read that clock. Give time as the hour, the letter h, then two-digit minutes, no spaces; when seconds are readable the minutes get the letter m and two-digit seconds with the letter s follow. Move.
3h29
